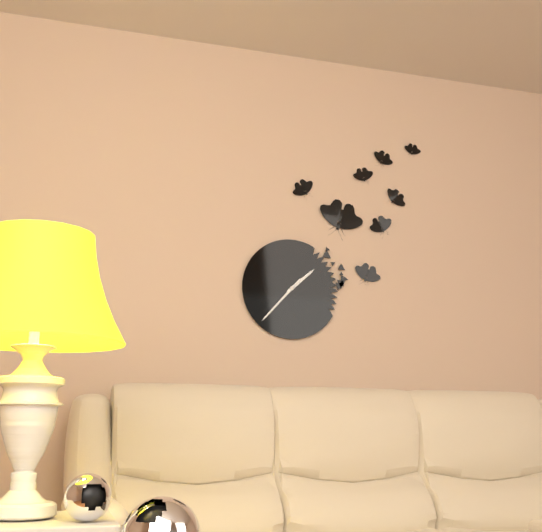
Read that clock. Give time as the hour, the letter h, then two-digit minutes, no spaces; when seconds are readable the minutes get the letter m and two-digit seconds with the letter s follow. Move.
1h37
